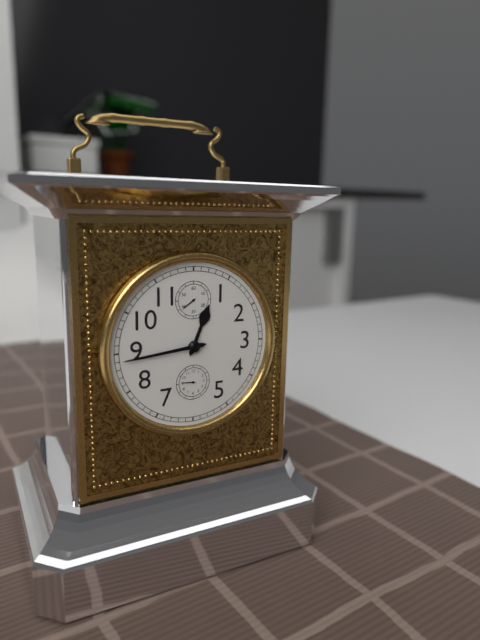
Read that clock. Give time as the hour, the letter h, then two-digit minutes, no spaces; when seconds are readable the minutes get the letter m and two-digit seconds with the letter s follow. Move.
12h44
